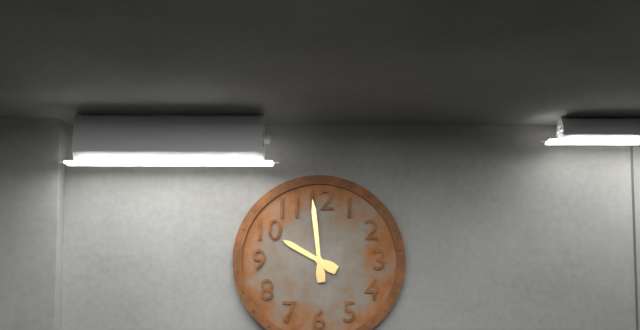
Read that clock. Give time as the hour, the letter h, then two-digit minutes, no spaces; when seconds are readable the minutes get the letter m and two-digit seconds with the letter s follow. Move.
9h59
